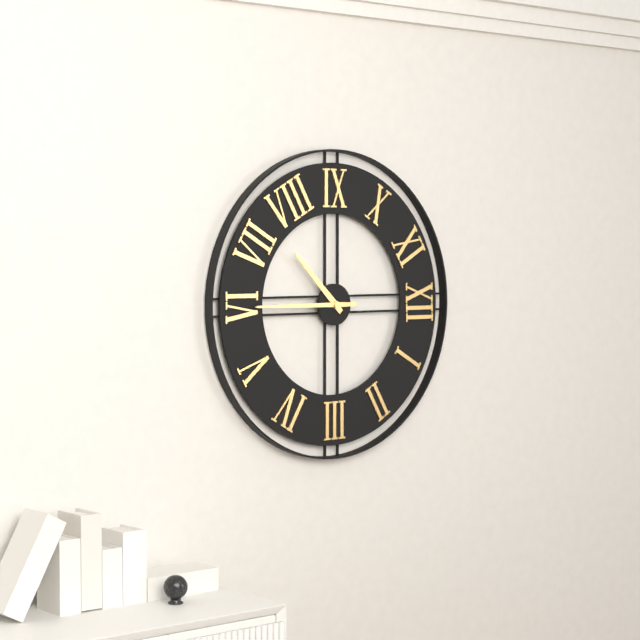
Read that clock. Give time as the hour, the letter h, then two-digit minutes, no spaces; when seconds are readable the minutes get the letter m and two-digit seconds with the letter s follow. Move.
7h30
